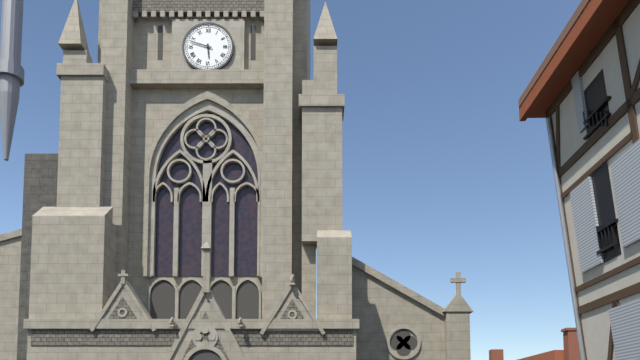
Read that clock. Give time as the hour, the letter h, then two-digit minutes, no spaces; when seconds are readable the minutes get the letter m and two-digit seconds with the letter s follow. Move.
5h48
